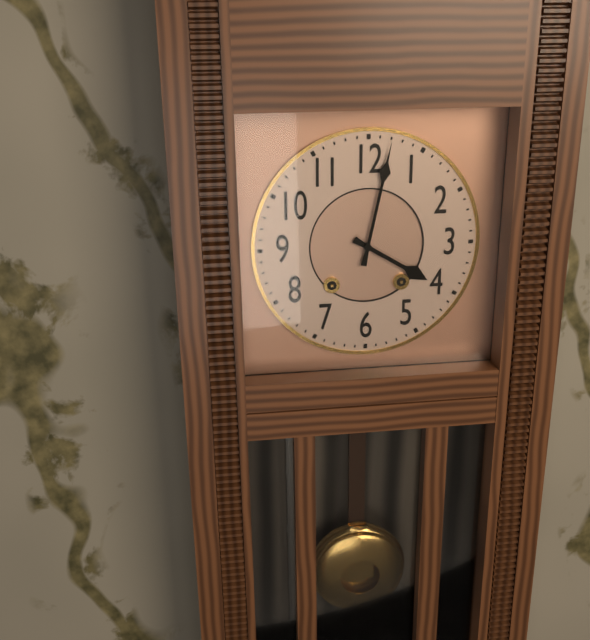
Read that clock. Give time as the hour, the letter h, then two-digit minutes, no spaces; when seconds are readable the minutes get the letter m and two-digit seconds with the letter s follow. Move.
4h02
